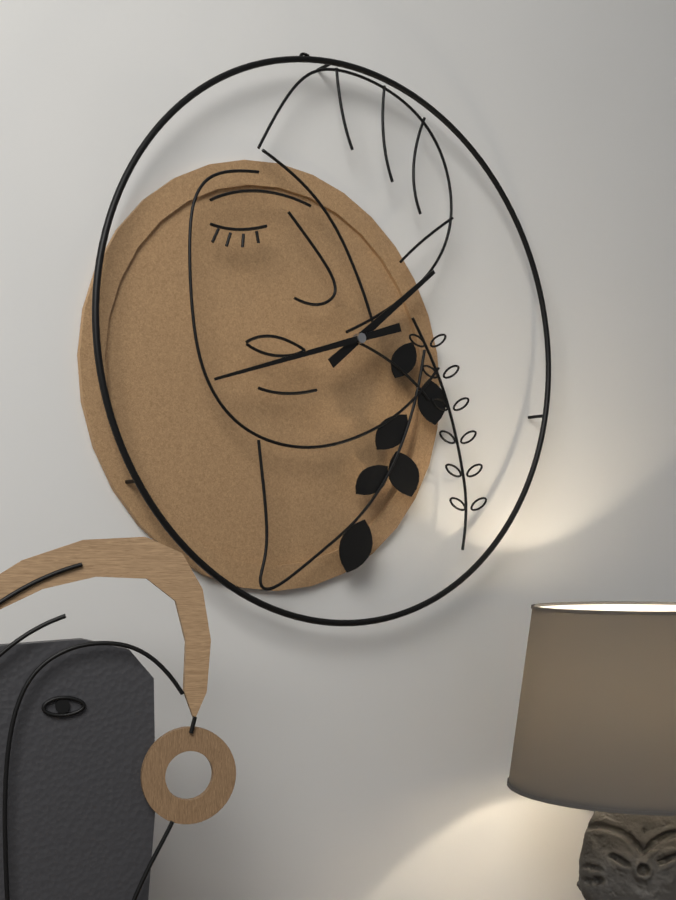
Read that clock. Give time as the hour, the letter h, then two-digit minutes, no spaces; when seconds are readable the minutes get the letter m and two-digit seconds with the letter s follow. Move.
1h42
